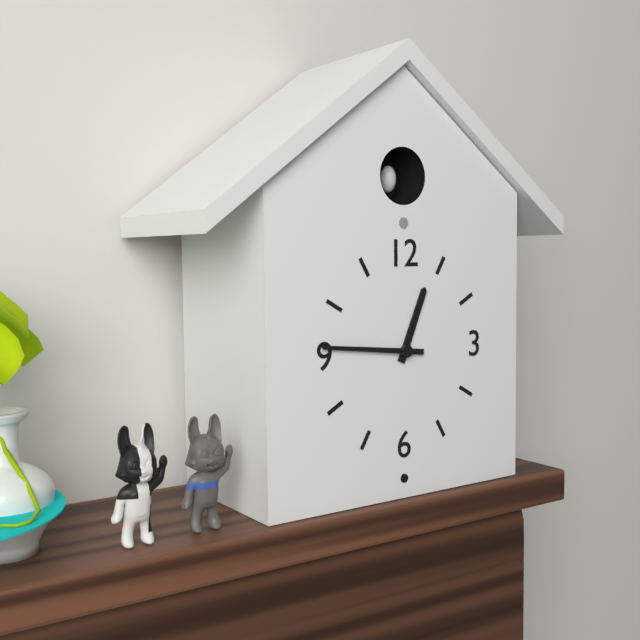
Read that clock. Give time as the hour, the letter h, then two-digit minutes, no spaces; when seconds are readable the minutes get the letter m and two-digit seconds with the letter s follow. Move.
12h46
